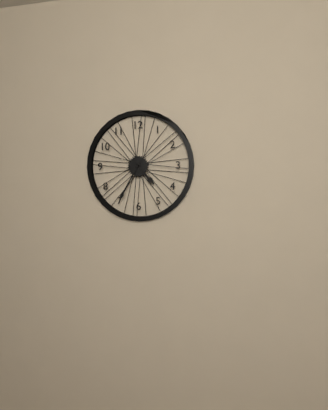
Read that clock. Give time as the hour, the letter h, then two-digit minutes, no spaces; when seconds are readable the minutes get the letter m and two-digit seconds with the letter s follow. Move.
4h35
